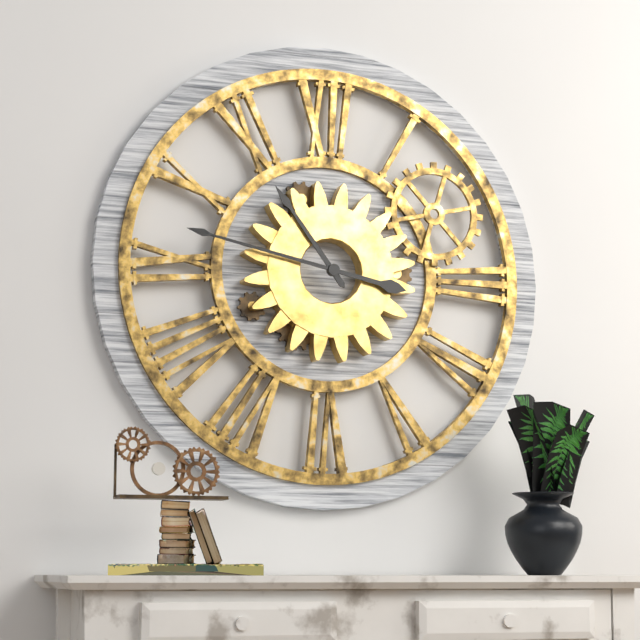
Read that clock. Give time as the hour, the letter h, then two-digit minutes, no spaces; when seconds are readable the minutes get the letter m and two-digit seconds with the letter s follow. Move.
10h47
